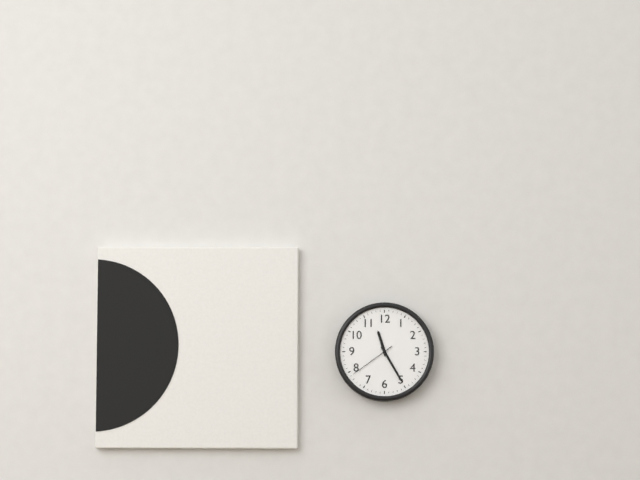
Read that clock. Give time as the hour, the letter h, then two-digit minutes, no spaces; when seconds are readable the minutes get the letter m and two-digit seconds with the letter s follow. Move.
11h25
